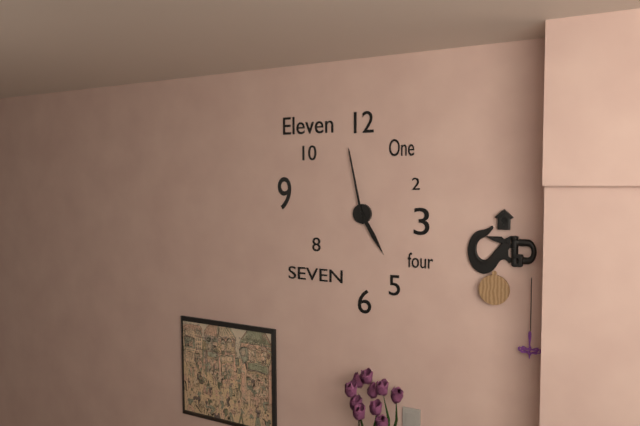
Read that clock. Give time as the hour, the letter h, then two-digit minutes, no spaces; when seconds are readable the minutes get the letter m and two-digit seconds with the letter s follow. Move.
4h58
